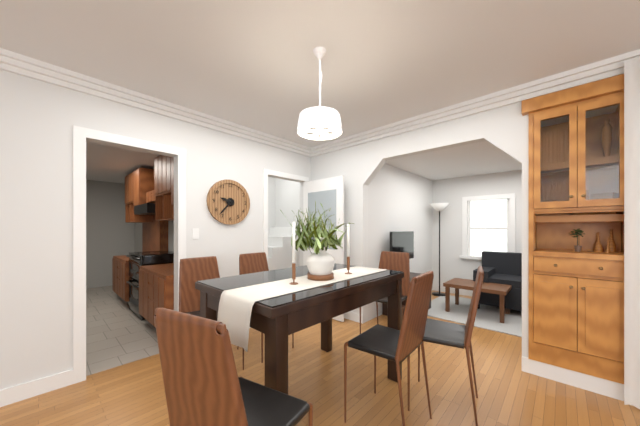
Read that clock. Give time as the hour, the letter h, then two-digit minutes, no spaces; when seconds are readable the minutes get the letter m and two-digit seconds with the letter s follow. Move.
9h37
